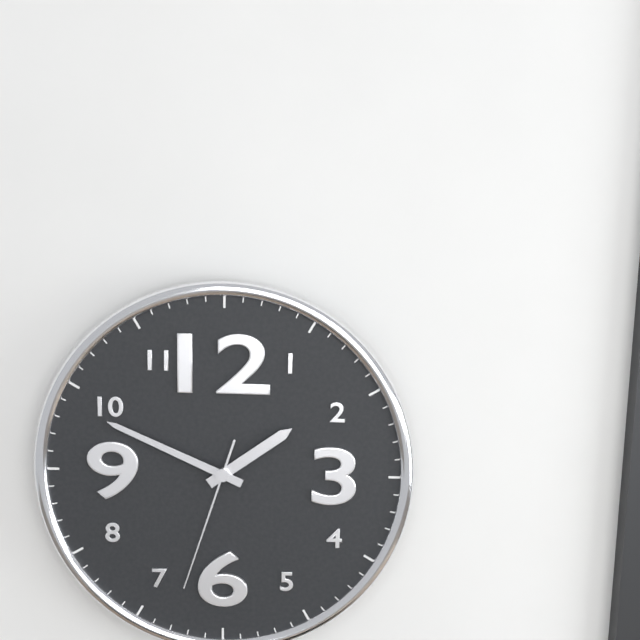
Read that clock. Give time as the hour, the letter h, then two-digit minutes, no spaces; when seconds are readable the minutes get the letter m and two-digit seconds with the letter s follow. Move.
1h49m33s
